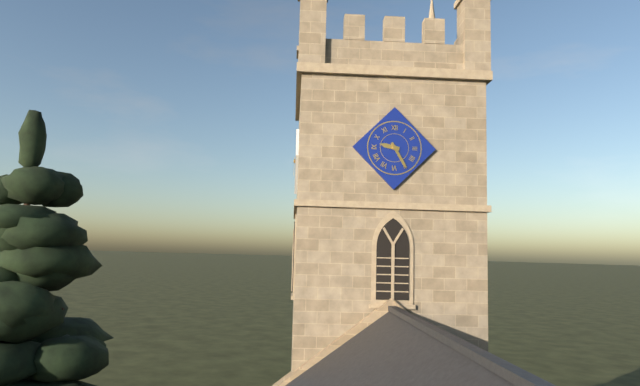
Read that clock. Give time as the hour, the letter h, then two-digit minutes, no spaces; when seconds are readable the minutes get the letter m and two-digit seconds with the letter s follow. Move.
9h25
